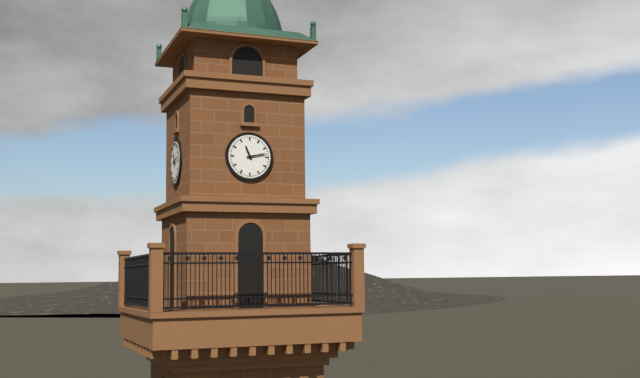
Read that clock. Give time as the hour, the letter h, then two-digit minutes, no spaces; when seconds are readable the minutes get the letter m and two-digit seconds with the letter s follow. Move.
11h13
